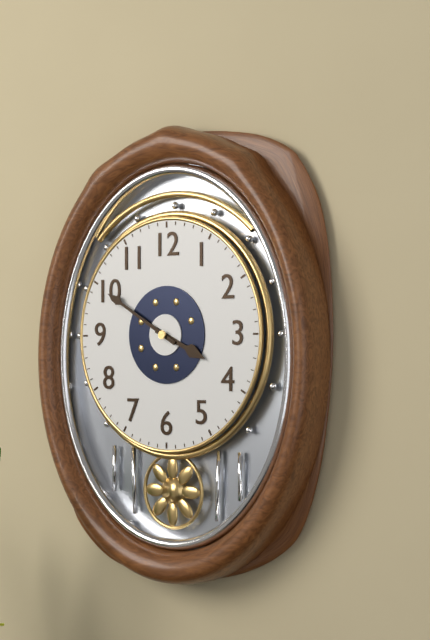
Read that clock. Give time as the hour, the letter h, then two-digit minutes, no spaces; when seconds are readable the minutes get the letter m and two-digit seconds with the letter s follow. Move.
3h50
